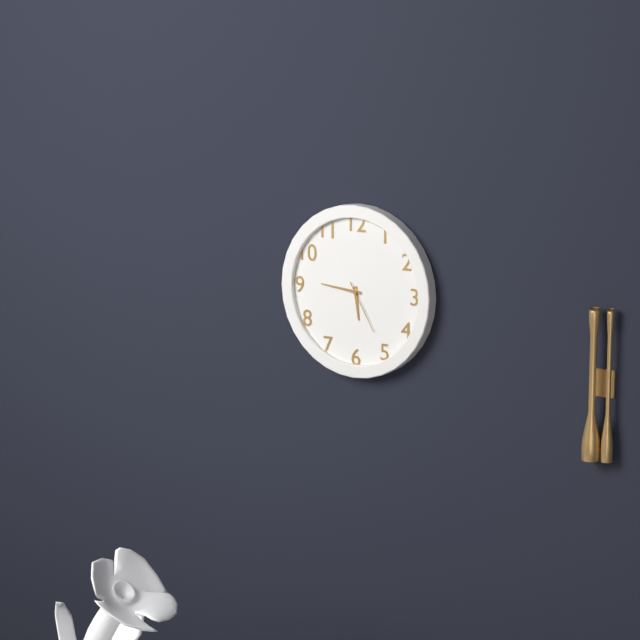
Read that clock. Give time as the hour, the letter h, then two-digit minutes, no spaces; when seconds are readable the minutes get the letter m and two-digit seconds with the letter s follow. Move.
5h46m25s
